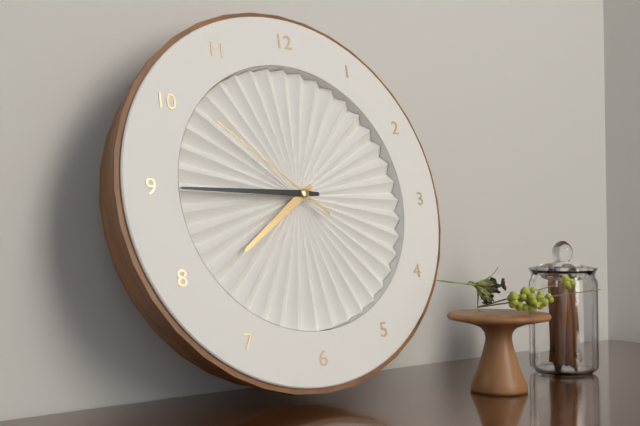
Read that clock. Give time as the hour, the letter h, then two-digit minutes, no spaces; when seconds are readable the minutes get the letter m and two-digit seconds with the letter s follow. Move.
7h45m51s
